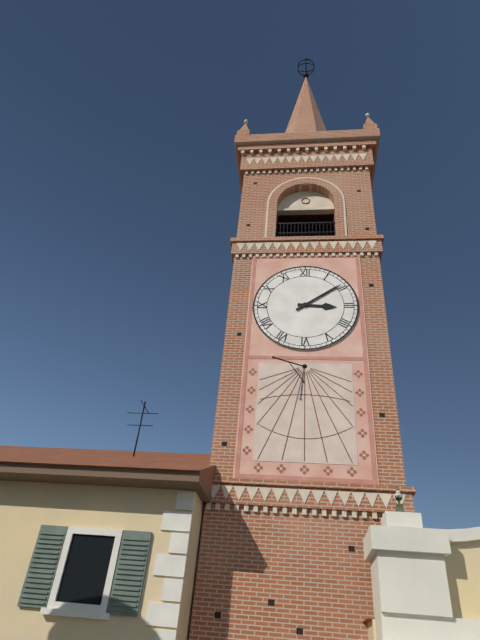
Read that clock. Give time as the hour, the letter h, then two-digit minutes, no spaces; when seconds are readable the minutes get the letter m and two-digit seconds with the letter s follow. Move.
3h09
